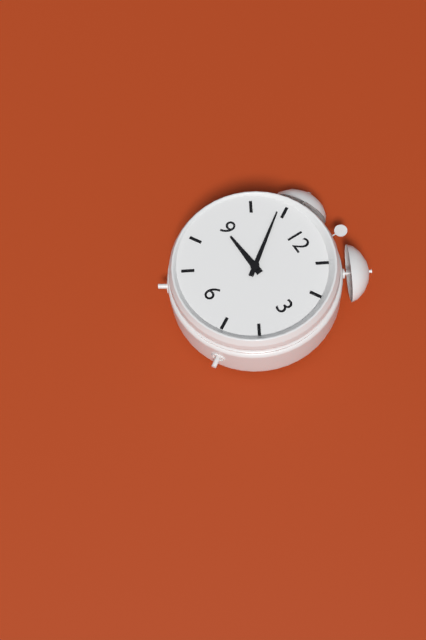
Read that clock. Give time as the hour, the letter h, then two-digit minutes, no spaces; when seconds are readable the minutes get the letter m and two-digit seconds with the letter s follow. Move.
8h54
